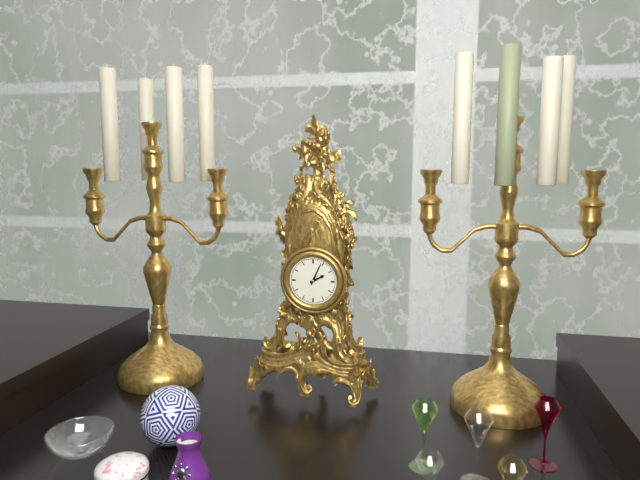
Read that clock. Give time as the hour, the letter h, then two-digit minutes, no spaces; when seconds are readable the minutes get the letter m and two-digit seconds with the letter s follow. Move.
2h04
